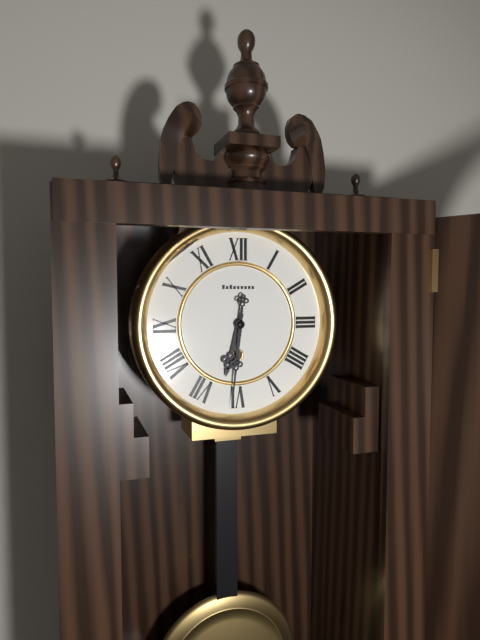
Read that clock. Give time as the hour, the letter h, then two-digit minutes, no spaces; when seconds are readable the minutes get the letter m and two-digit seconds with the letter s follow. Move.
6h31
